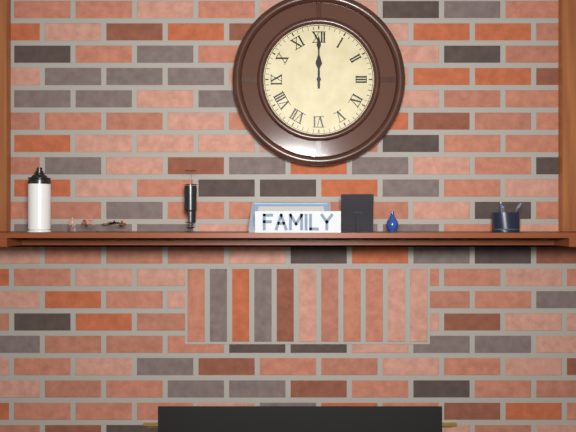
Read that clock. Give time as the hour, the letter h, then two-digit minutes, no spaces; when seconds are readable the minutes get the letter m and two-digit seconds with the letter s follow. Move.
12h00
